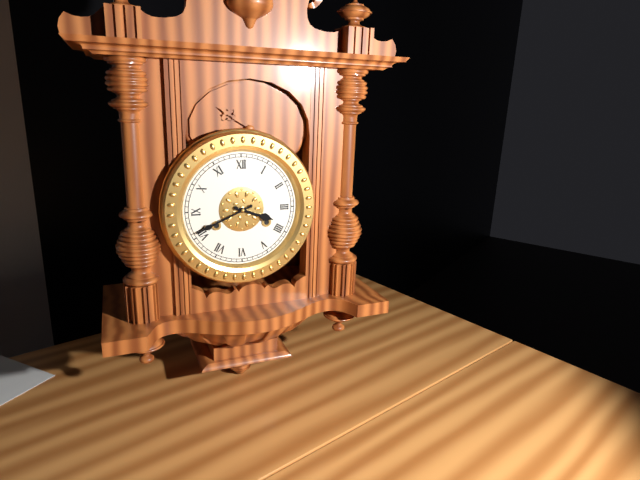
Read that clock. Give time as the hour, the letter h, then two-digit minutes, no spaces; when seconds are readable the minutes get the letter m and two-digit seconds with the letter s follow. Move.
3h41
